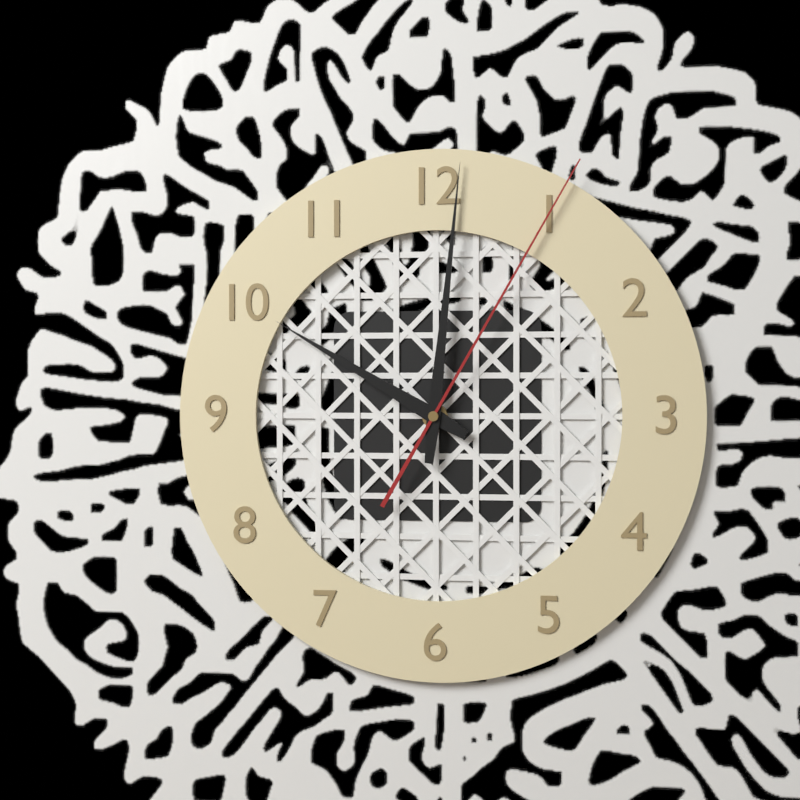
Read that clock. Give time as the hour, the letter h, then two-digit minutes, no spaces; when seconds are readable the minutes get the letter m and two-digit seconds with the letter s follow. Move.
10h01m05s
